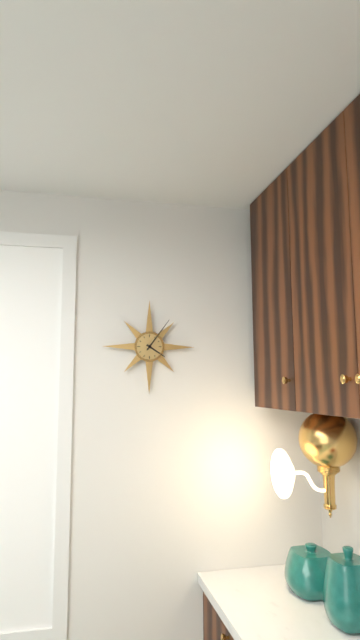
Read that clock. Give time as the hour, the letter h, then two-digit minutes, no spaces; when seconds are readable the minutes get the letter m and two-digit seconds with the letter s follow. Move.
4h06
